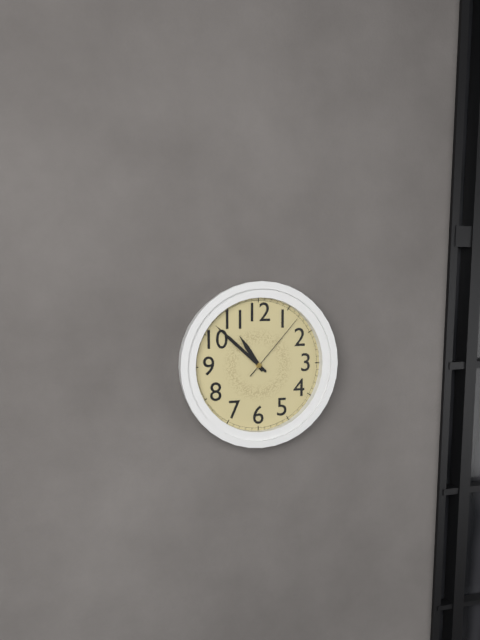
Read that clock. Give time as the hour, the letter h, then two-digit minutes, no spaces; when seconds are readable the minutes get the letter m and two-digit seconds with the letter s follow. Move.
10h52m07s
